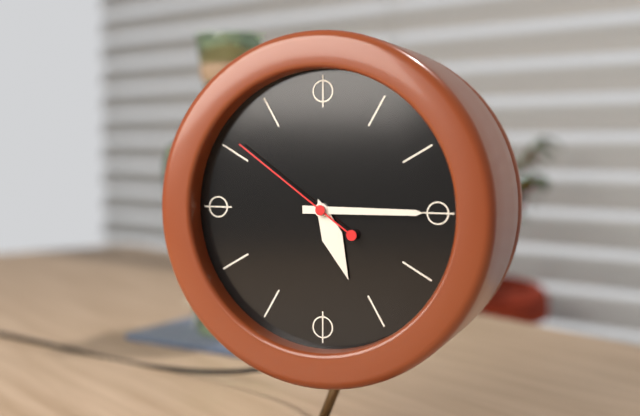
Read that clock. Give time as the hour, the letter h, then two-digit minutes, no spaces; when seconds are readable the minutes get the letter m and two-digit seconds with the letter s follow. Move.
5h15m51s
